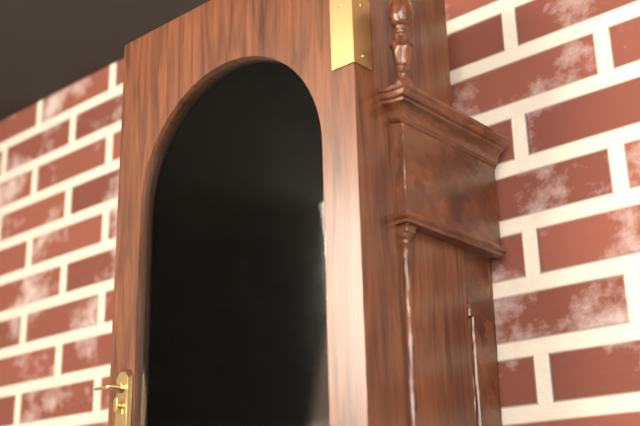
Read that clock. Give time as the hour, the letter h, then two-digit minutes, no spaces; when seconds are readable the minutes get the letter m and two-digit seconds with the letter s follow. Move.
6h11
